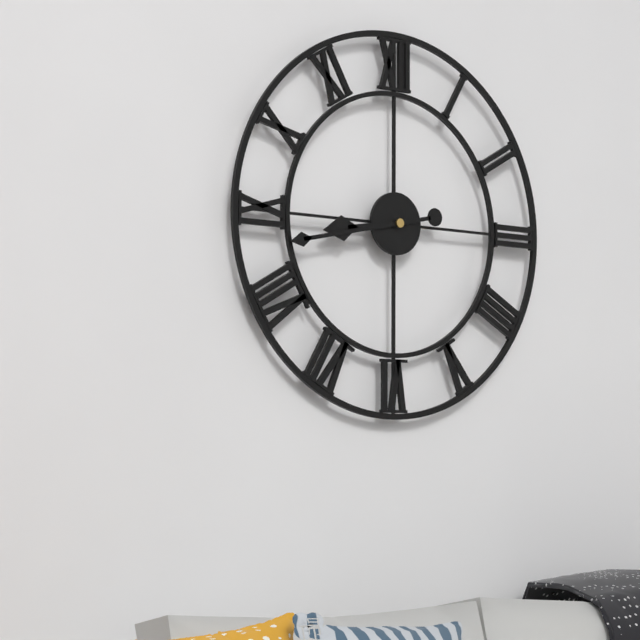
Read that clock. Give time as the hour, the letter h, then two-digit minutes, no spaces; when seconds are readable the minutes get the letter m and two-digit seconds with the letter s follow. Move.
8h43
